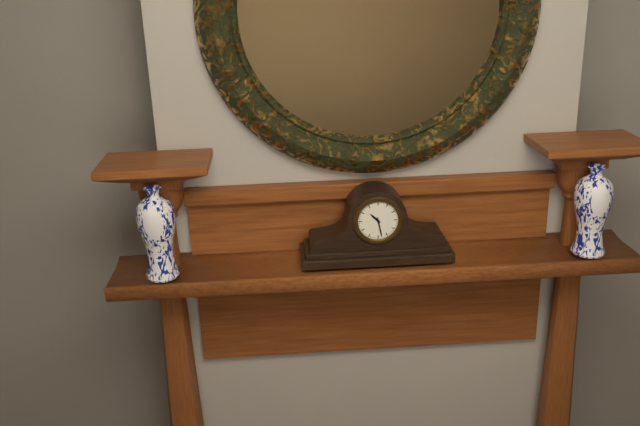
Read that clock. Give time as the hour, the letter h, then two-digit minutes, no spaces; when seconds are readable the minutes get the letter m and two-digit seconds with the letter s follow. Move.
10h28
